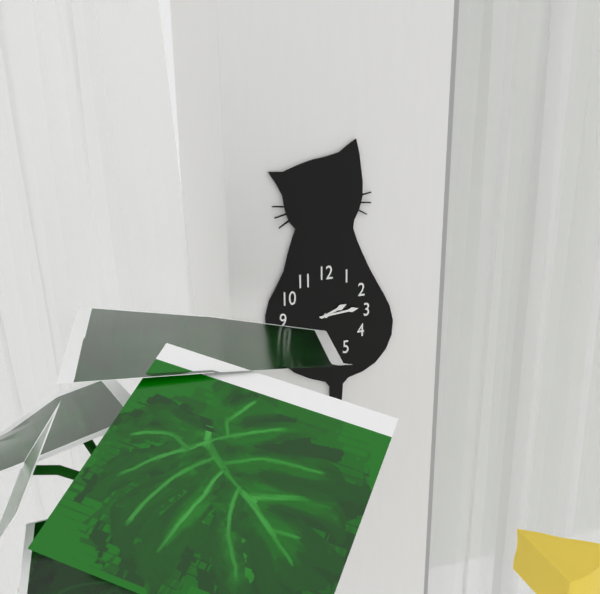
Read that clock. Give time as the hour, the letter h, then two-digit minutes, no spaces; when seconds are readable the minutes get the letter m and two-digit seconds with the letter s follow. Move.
2h14
